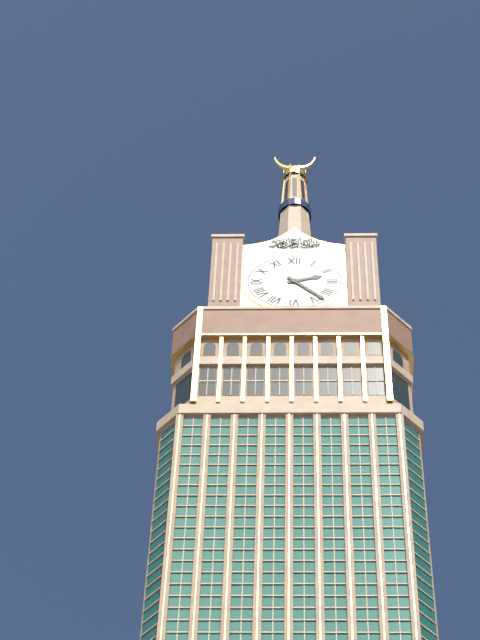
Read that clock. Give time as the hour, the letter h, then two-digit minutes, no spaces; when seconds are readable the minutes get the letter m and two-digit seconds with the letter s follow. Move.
2h23
